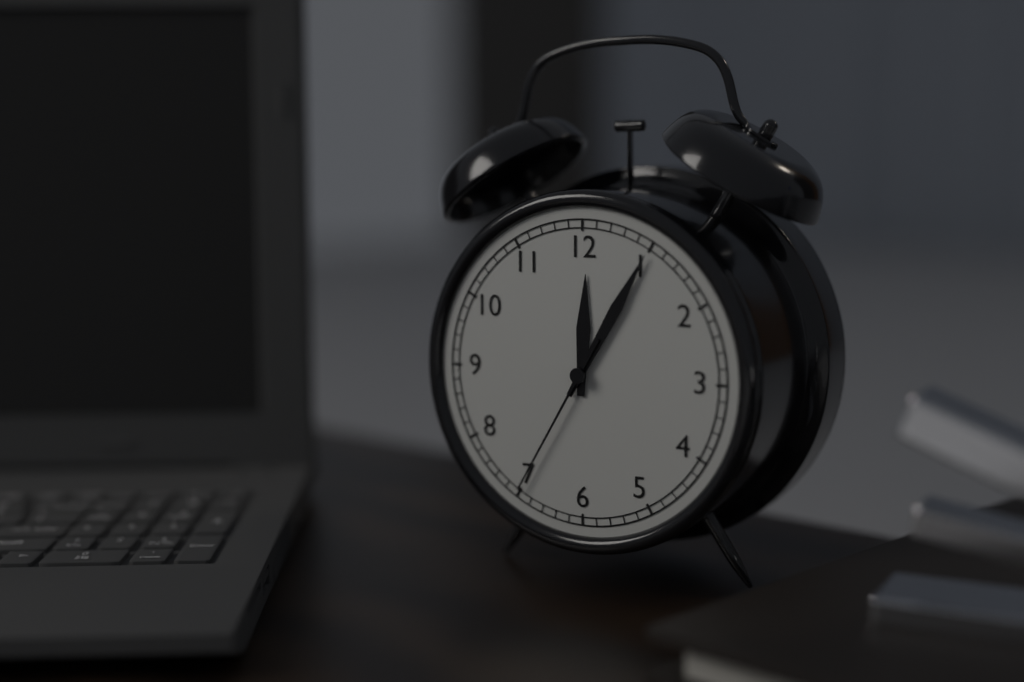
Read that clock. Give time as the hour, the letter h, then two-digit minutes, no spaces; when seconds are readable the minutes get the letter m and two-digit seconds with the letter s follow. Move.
12h05m35s
